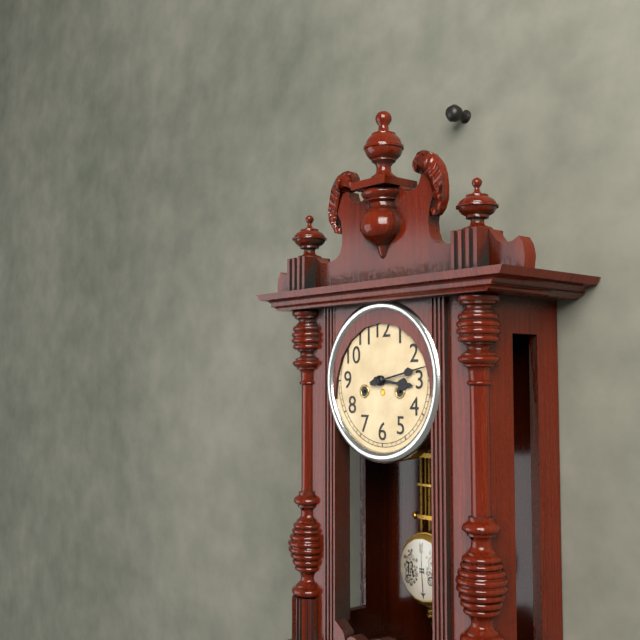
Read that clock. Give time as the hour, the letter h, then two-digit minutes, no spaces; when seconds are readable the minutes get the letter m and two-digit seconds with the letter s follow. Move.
3h13
